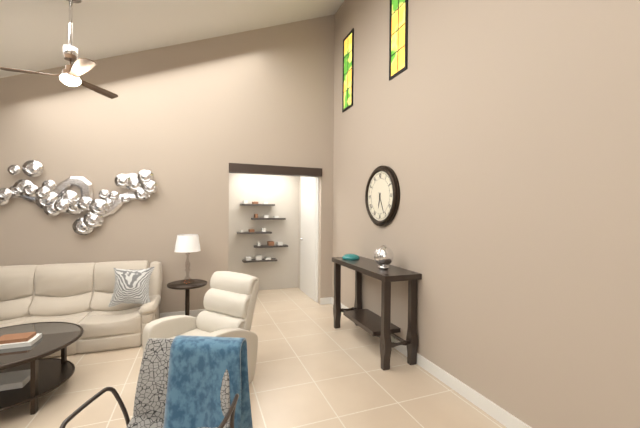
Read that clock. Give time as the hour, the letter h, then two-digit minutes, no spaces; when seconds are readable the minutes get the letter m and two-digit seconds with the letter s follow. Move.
6h26
